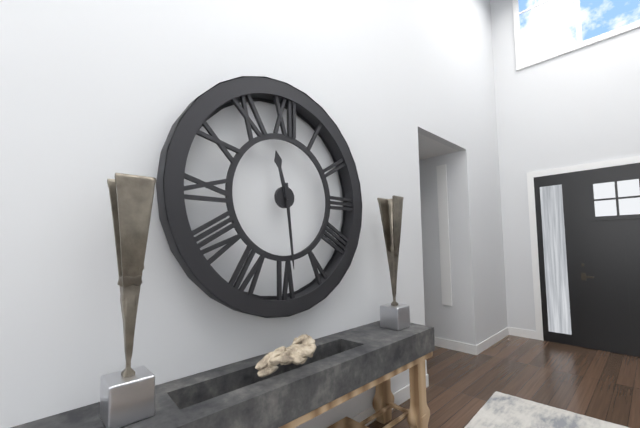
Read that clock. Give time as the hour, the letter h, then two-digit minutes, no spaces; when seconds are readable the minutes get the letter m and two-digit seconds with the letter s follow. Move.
11h29
